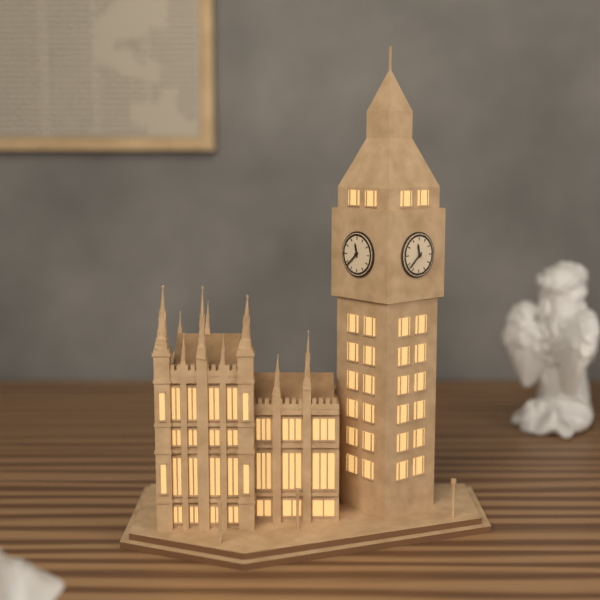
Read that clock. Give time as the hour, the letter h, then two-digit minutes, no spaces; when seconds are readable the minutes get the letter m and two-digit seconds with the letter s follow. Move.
11h38
